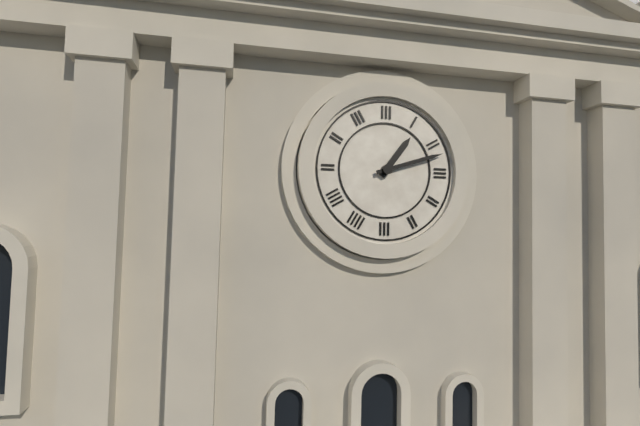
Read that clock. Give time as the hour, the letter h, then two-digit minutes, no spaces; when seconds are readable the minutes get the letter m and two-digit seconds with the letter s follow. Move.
1h12
